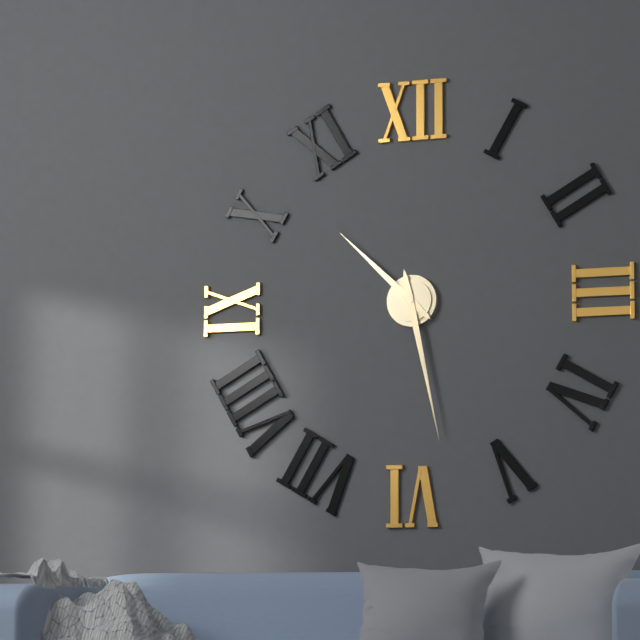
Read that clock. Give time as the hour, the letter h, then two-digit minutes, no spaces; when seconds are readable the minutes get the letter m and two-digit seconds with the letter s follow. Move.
10h28
